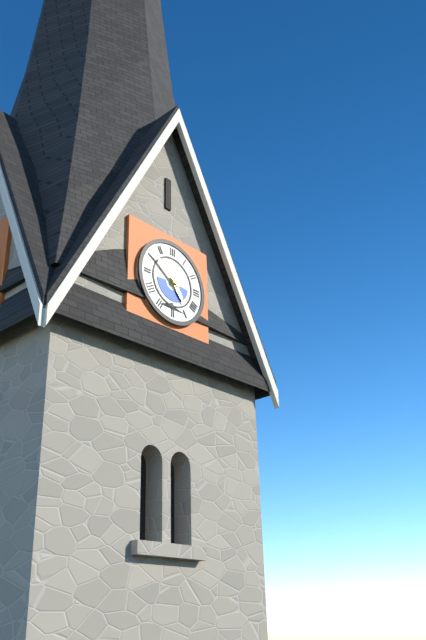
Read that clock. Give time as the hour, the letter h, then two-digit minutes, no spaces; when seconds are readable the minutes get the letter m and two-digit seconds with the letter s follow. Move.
4h51
